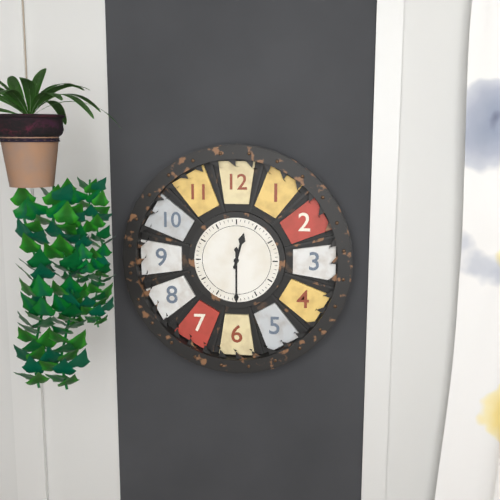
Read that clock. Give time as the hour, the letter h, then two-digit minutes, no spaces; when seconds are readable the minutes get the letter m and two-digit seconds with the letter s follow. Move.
12h30
